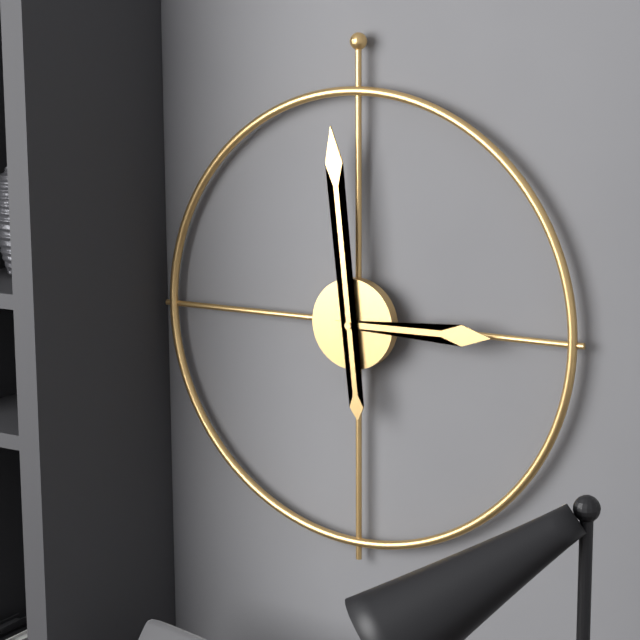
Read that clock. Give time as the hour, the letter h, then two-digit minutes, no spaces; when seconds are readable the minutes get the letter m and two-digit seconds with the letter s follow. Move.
2h59
